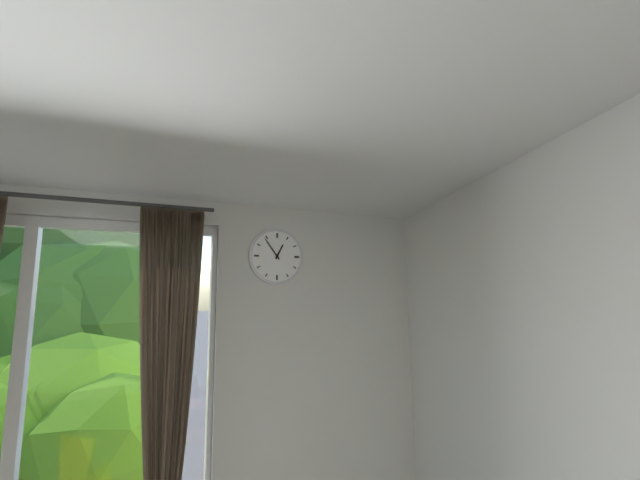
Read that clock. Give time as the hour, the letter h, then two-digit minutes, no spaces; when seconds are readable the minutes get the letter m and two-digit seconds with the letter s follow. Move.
12h54
